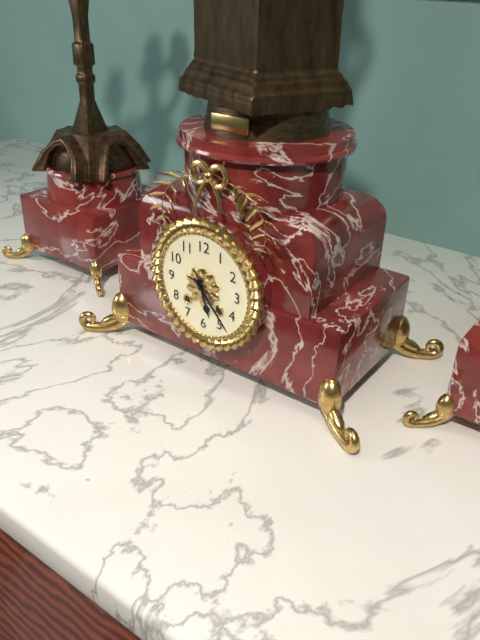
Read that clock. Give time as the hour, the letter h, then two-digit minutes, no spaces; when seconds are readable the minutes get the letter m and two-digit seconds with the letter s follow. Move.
5h23
